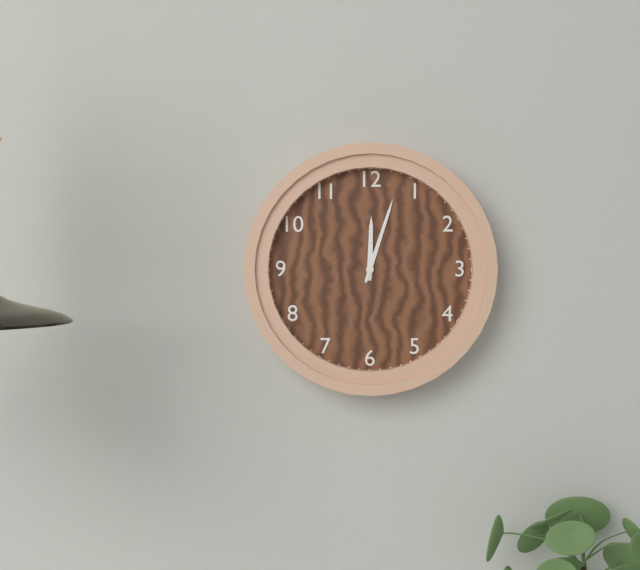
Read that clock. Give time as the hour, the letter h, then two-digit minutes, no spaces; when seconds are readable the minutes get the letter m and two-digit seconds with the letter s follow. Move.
12h03
